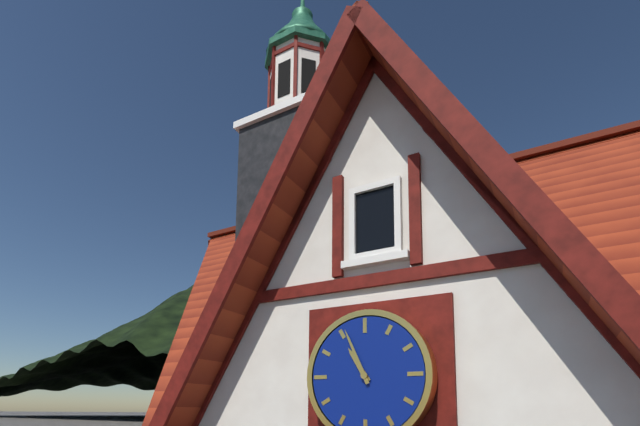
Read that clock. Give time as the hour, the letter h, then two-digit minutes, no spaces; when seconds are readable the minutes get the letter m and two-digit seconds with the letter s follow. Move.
10h56
